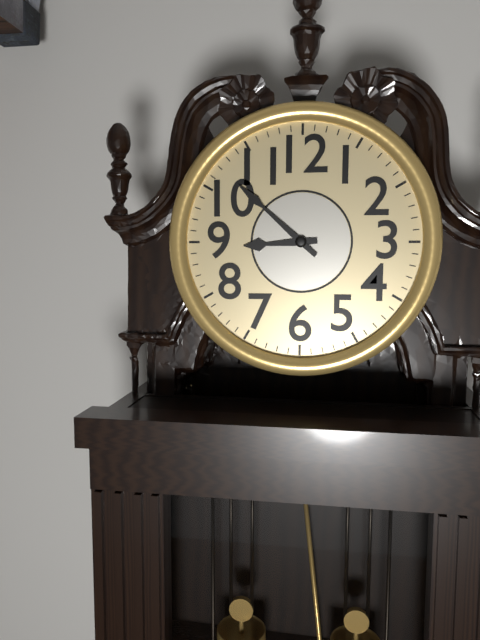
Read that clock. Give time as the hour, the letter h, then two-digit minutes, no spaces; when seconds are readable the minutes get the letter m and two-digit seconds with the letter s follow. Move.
8h52
